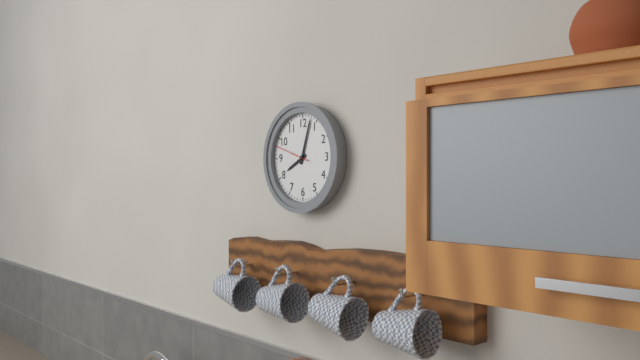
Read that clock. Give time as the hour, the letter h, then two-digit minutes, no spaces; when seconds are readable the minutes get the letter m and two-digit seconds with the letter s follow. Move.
8h03
